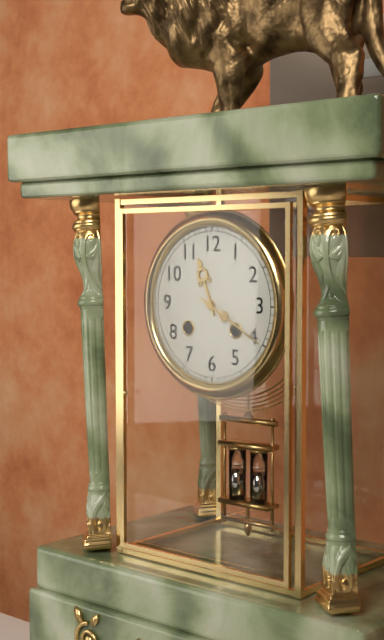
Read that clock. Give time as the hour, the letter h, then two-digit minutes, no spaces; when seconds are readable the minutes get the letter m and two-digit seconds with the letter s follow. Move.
11h20
